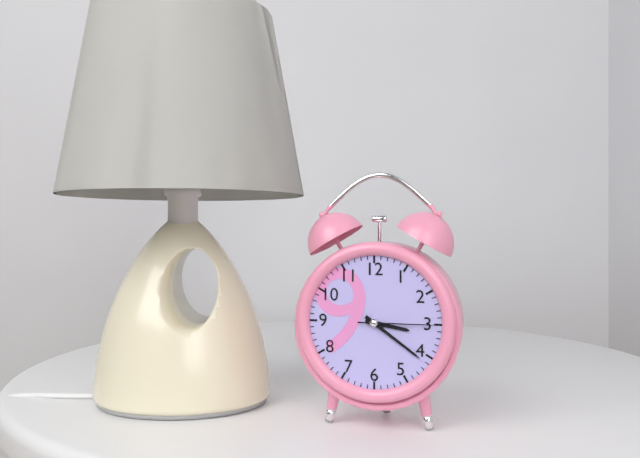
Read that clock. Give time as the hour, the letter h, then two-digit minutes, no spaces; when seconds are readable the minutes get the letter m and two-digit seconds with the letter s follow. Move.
3h21m15s
